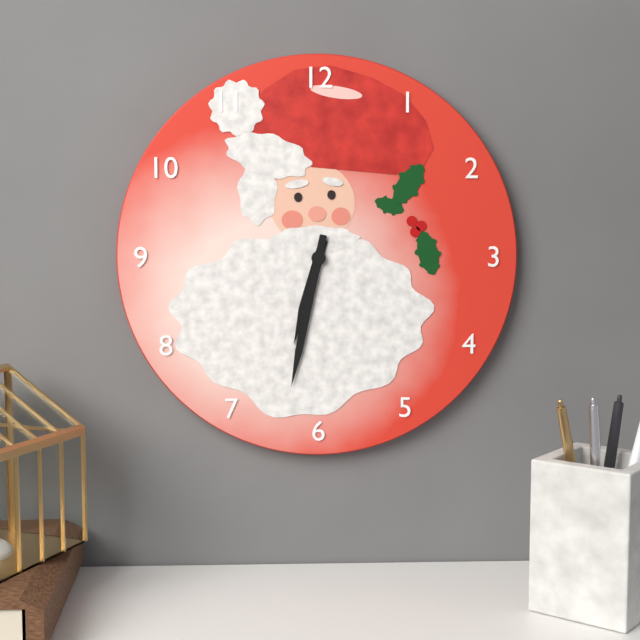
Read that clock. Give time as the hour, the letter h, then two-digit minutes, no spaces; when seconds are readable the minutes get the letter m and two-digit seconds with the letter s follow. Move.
6h32
